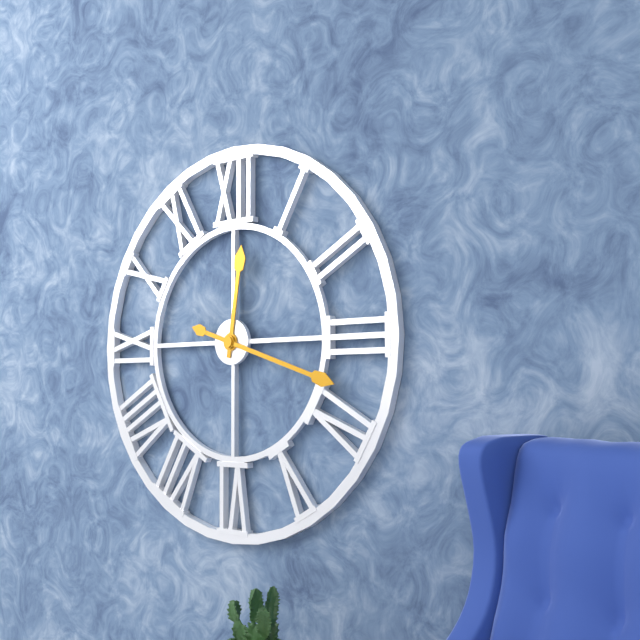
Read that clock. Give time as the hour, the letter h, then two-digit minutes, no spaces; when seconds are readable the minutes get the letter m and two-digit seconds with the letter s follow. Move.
12h18
